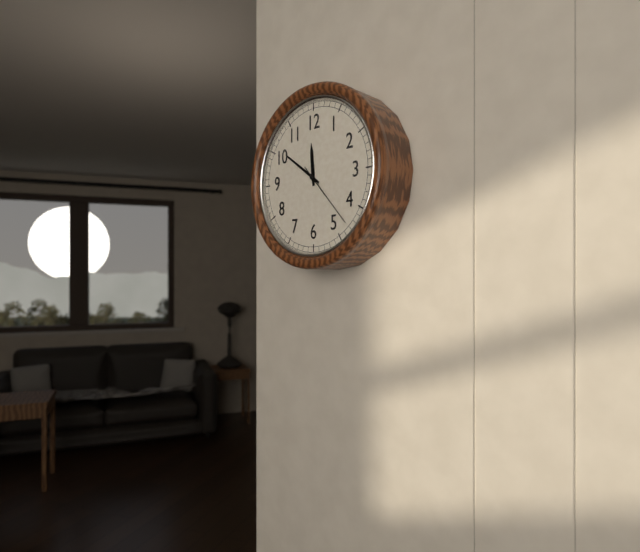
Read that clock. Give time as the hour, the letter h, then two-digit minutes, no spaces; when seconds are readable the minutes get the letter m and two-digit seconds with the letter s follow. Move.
11h51m23s
